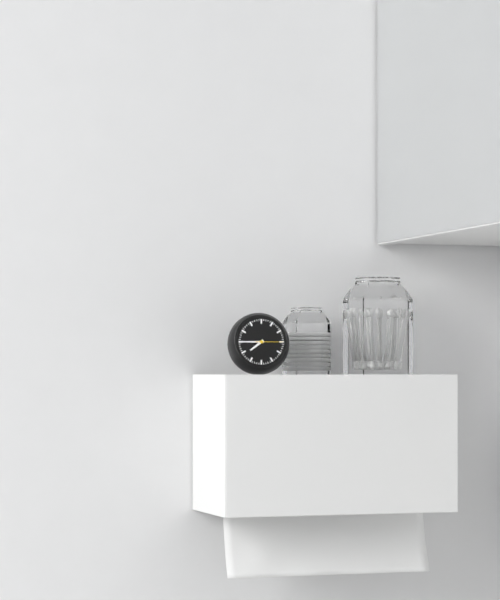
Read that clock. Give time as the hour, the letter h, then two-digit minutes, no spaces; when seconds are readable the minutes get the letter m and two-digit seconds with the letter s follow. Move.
7h45
